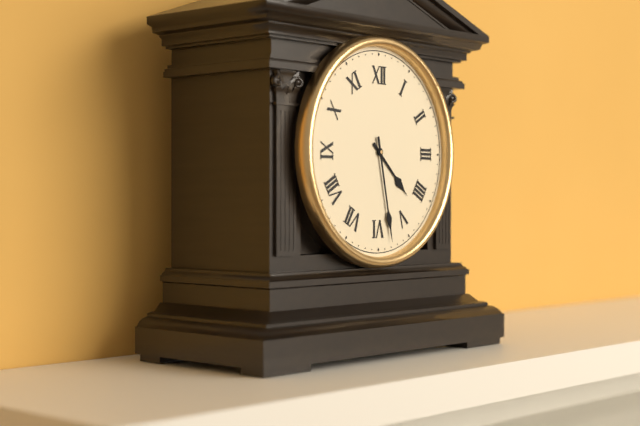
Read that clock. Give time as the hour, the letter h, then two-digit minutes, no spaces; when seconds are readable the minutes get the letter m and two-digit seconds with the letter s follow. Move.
4h28
